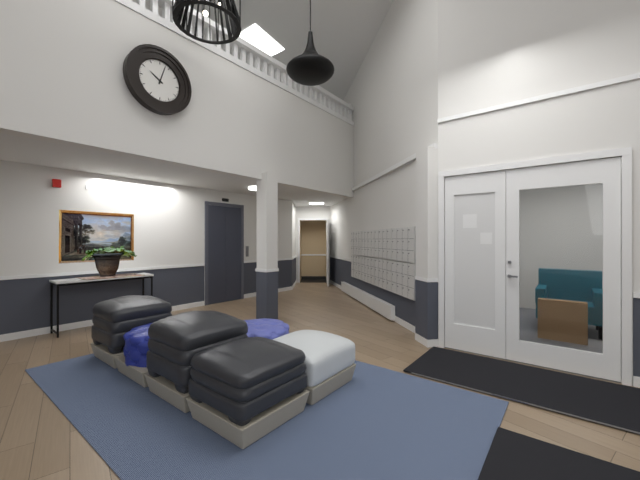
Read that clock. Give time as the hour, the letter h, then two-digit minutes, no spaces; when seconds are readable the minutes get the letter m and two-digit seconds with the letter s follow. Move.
10h03
